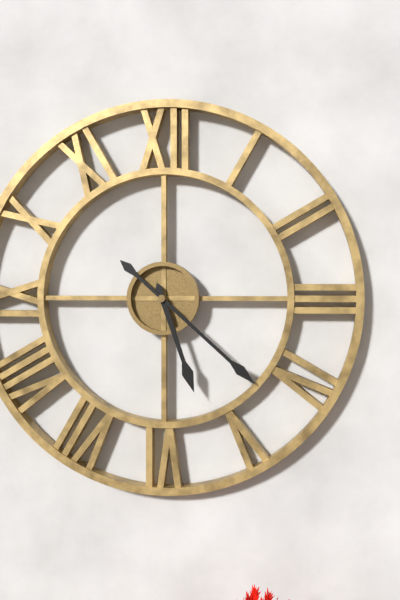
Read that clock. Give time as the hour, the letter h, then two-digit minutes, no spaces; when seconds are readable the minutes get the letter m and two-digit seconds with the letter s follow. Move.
5h22
